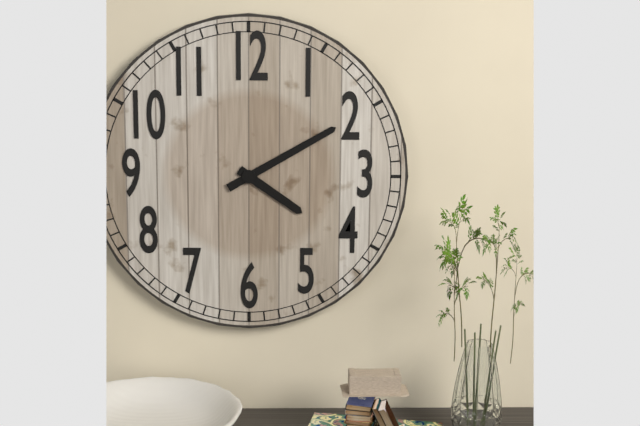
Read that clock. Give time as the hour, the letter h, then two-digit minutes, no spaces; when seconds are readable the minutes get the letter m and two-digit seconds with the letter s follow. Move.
4h10
